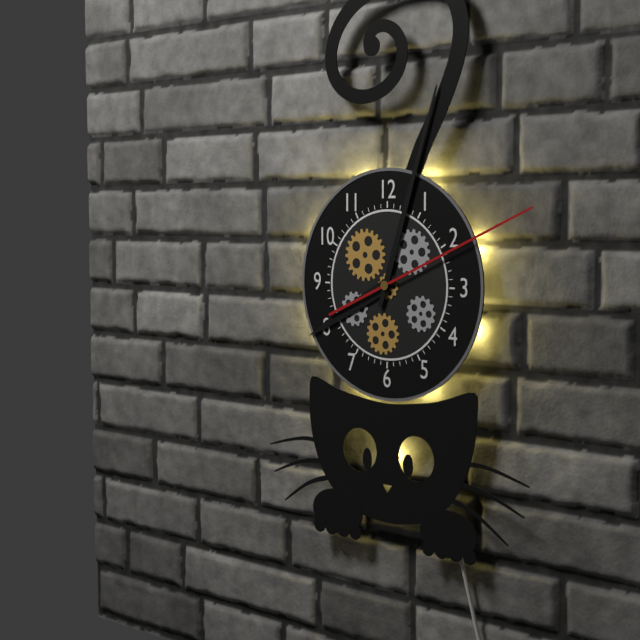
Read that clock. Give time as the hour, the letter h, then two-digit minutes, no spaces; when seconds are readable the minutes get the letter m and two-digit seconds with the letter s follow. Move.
8h03m11s
